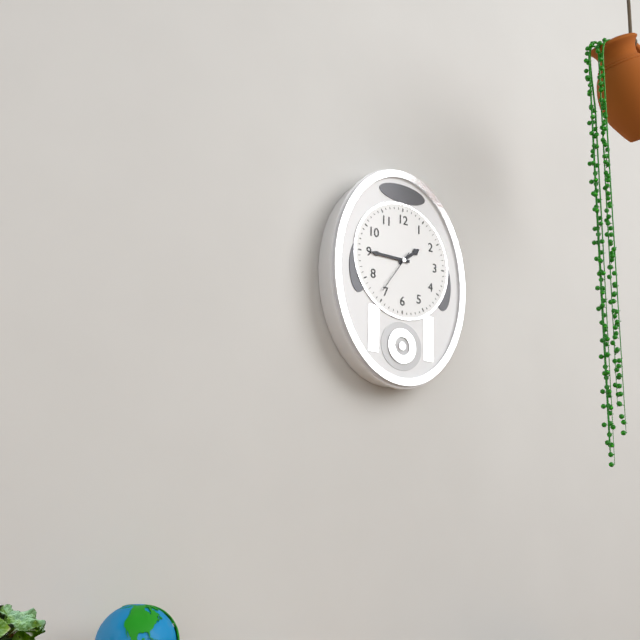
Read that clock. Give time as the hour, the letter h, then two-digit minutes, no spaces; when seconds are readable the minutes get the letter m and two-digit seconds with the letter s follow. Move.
1h45
